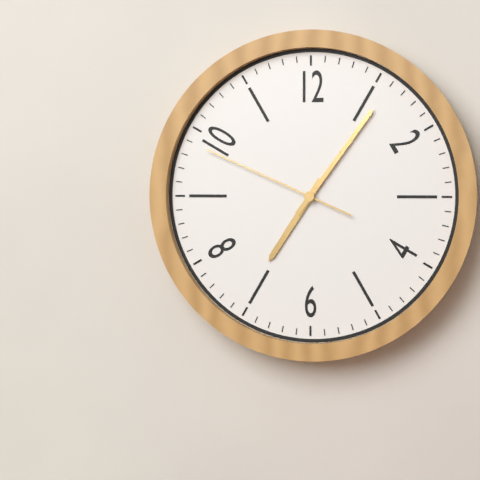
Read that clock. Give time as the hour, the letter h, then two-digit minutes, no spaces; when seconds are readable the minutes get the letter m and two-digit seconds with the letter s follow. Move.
7h06m49s
